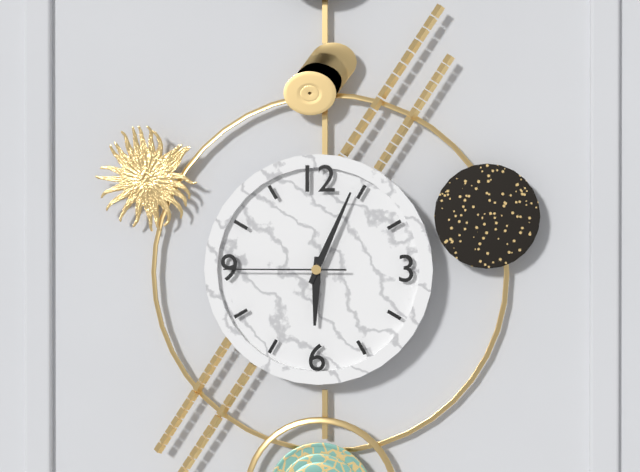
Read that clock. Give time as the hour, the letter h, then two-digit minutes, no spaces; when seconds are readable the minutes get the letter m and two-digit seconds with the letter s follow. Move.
6h04m45s
